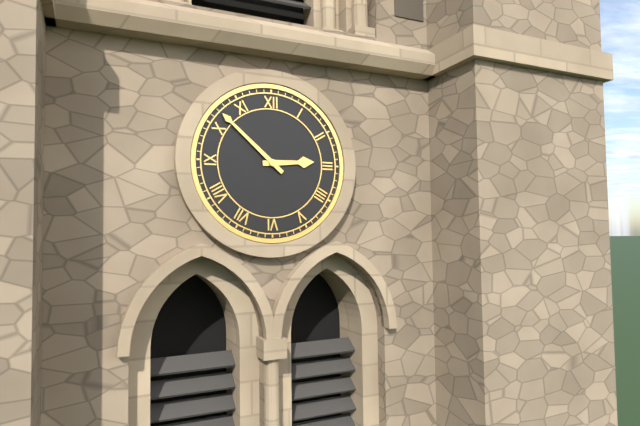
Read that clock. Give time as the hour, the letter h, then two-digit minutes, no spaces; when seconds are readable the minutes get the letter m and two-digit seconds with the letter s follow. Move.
2h52
